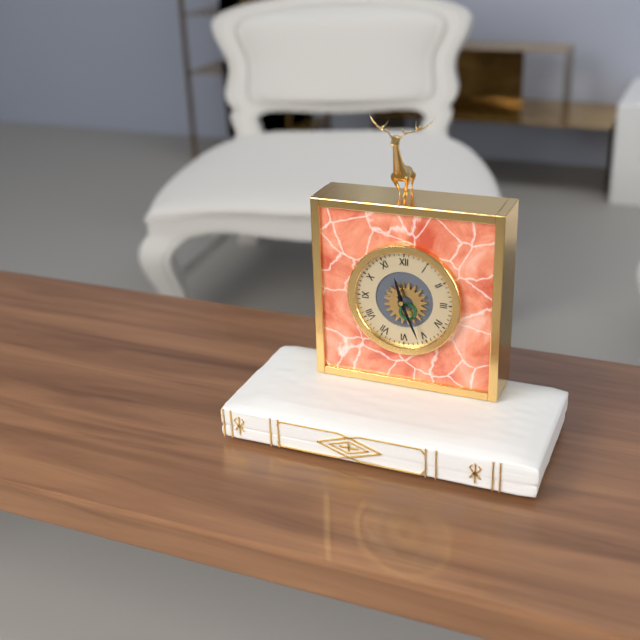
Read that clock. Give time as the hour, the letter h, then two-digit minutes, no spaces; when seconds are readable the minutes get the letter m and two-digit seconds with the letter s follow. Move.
11h26
